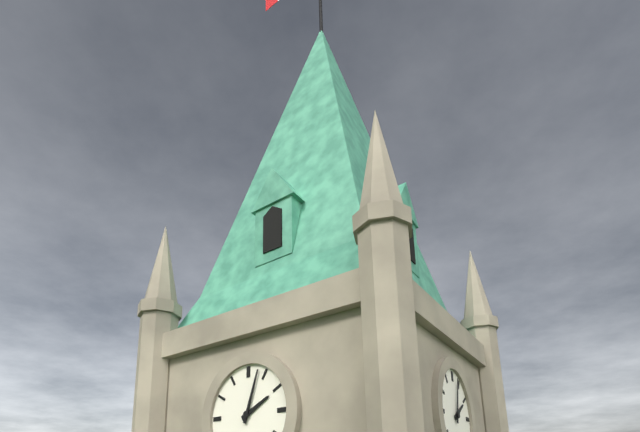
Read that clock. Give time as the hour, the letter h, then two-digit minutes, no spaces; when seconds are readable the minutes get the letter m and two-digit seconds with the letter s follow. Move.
2h03
